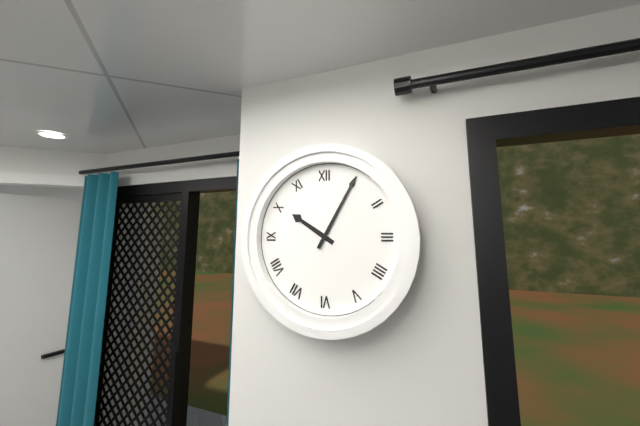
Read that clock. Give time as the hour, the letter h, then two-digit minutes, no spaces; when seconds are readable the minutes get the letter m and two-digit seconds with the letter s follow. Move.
10h05
